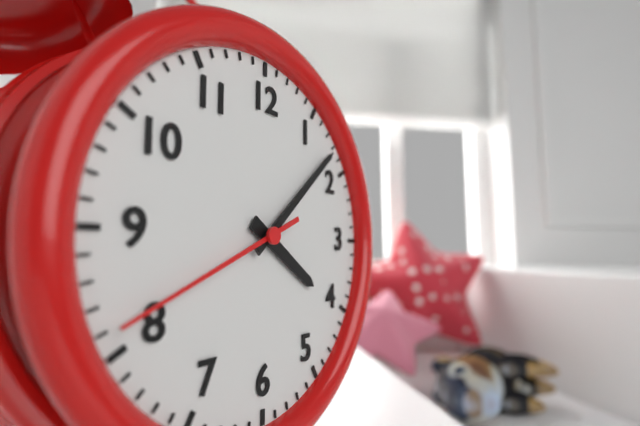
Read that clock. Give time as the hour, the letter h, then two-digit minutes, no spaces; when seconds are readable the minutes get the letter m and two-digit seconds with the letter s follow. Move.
4h08m41s
